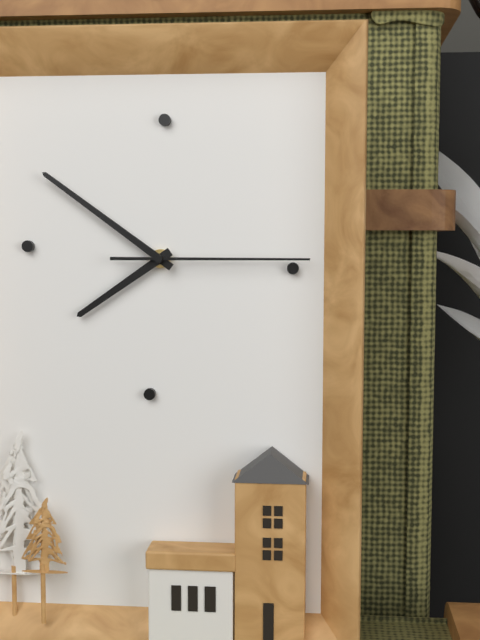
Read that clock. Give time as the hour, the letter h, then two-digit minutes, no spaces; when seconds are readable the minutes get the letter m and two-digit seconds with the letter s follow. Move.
7h51m15s
